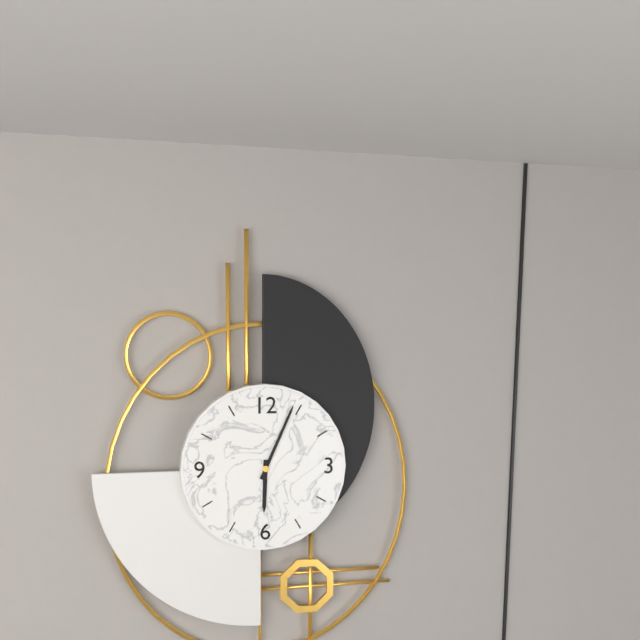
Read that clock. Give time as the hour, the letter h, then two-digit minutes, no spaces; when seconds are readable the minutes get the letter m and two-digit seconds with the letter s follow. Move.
6h04
